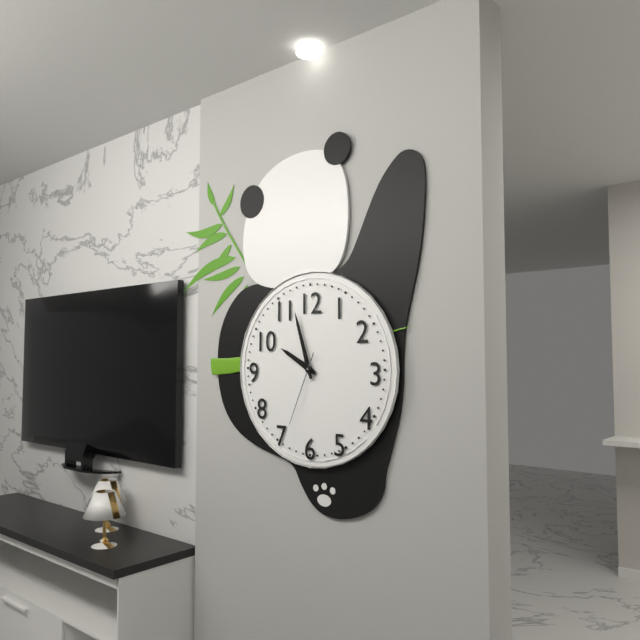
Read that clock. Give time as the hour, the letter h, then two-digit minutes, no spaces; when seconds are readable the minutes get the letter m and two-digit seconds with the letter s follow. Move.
9h57m34s
